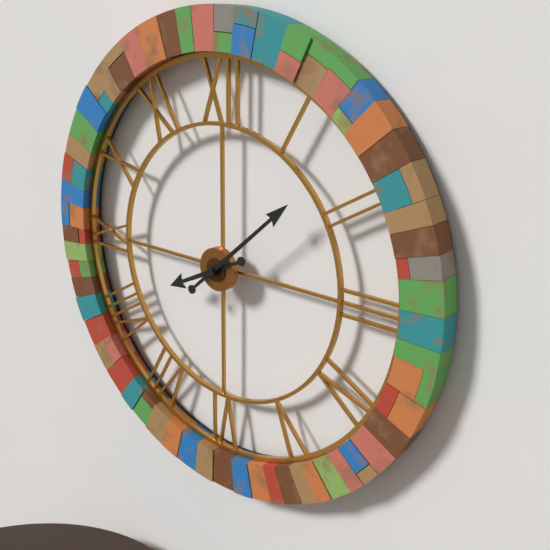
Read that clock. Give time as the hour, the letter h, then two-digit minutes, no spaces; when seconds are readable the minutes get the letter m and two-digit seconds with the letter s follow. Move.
8h08
